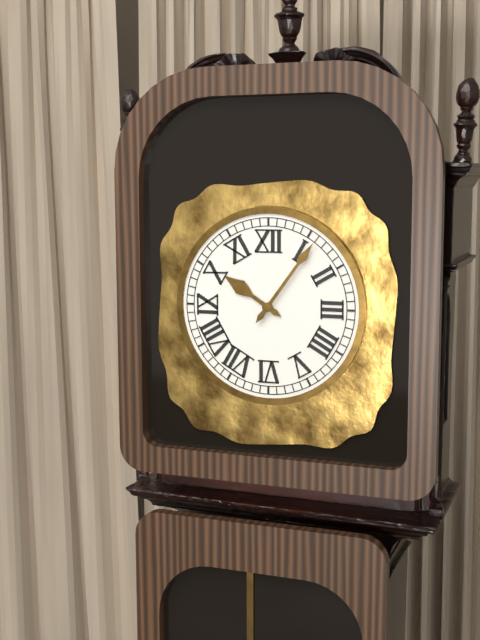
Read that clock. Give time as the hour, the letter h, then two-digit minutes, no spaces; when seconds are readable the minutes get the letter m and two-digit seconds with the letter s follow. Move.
10h06
